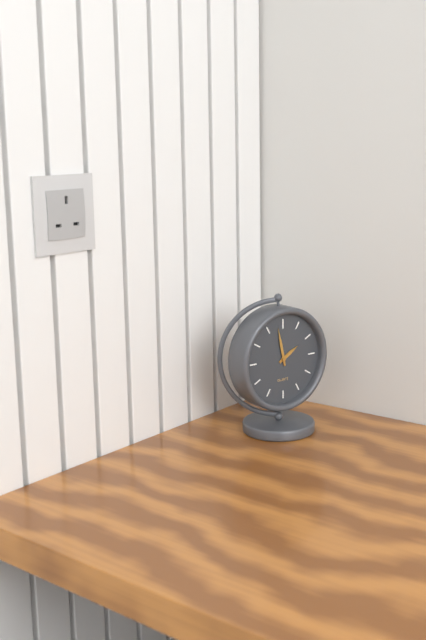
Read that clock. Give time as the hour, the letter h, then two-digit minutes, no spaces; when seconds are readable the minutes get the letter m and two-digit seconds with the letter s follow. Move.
1h58
